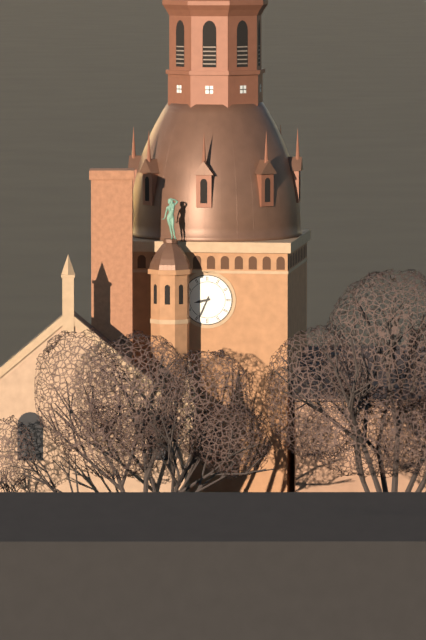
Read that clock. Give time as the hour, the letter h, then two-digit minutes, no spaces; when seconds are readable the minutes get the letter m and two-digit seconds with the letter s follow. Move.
8h34
